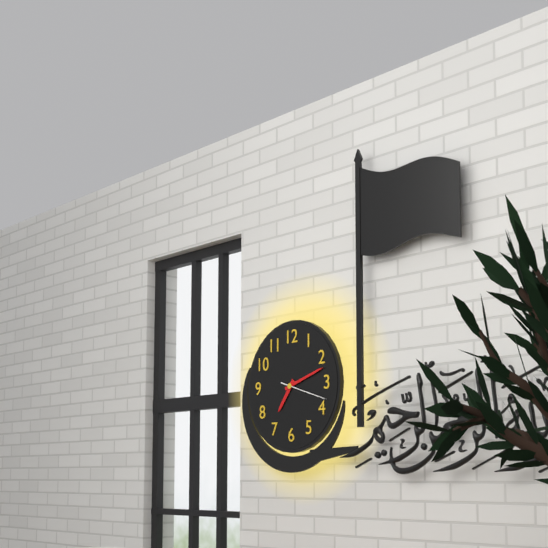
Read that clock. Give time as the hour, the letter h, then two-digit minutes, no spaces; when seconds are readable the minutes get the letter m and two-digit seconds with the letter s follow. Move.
7h12
